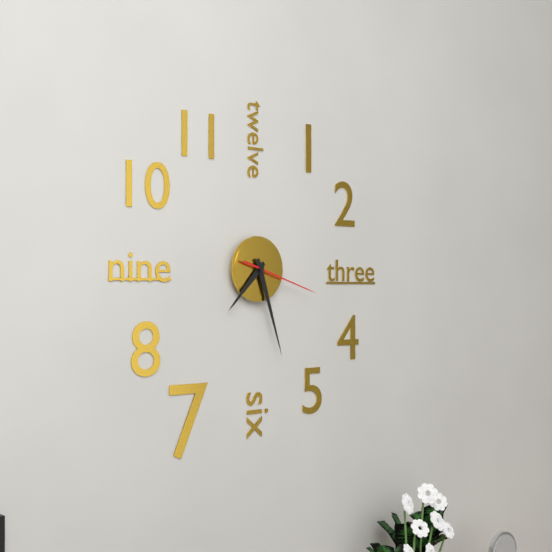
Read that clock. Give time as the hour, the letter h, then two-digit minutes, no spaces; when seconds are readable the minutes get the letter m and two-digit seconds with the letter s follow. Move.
7h27m18s
